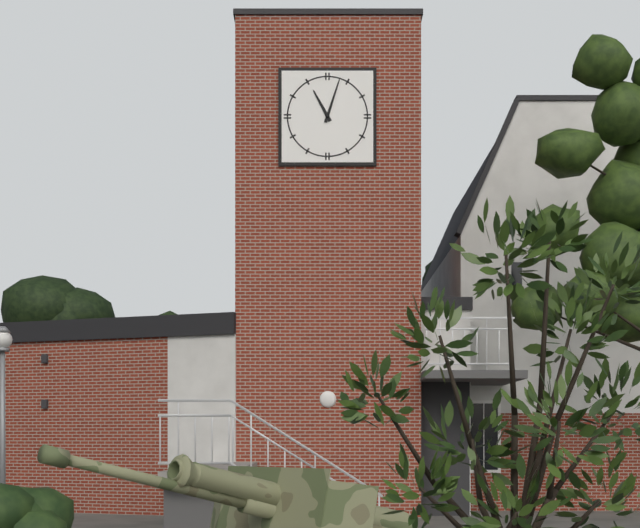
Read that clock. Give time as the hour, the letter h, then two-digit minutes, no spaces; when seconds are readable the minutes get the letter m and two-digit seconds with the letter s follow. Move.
11h03
